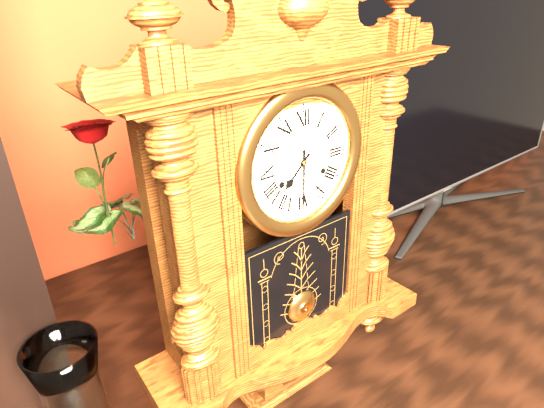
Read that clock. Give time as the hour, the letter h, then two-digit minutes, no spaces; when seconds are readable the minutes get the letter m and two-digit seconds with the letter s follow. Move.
7h30
